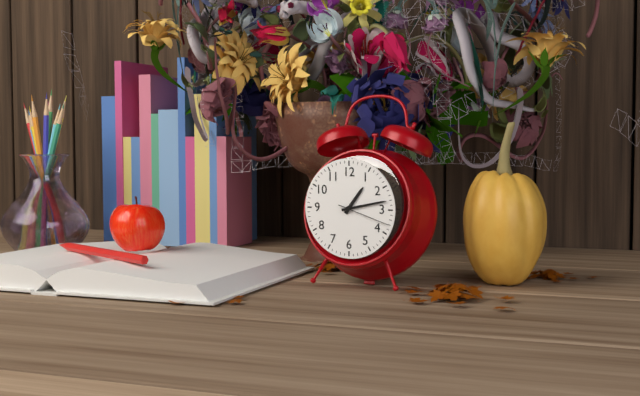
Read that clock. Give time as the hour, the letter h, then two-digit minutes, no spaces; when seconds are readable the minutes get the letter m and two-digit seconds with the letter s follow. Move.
1h13m18s
